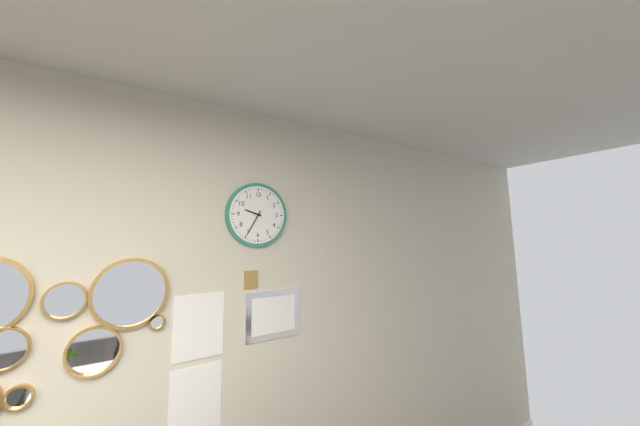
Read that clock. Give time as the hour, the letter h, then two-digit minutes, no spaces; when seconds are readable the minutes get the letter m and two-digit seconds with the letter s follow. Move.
9h35
